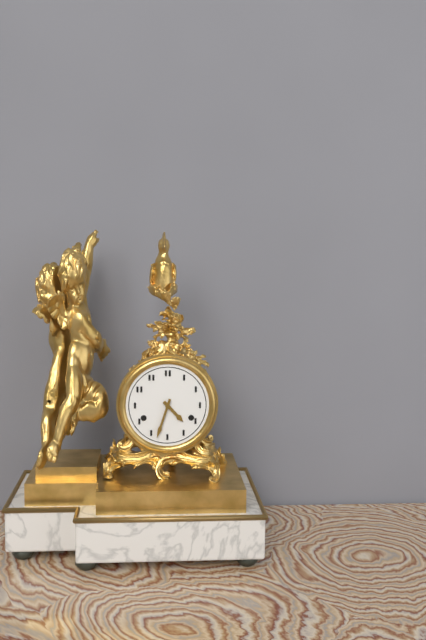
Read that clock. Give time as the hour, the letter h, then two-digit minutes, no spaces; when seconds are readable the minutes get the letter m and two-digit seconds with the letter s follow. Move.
4h33
